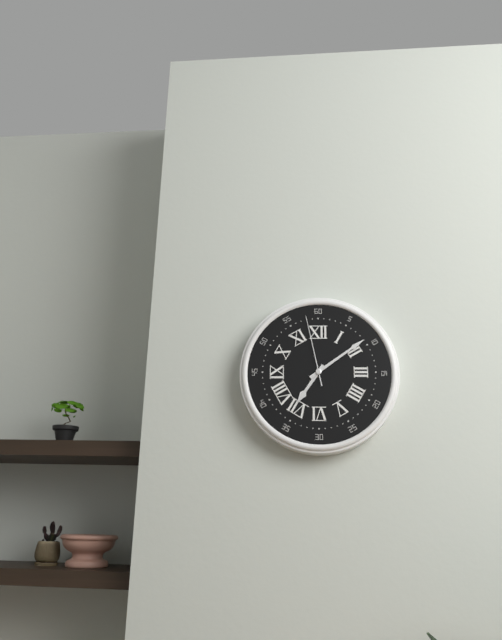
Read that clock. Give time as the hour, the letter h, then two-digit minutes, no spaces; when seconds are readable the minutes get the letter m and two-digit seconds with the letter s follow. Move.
7h09m58s
